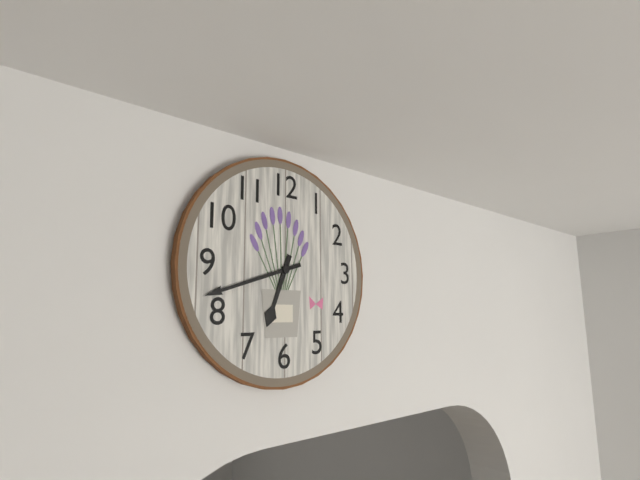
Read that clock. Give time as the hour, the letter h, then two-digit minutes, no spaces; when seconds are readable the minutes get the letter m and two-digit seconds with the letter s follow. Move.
6h42
